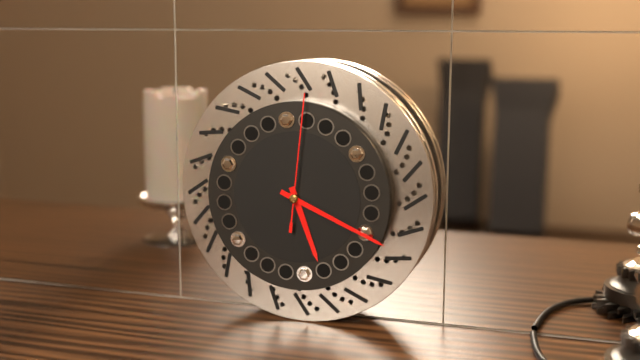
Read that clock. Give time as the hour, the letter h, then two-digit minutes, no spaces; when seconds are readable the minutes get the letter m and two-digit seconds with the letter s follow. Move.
5h19m01s
